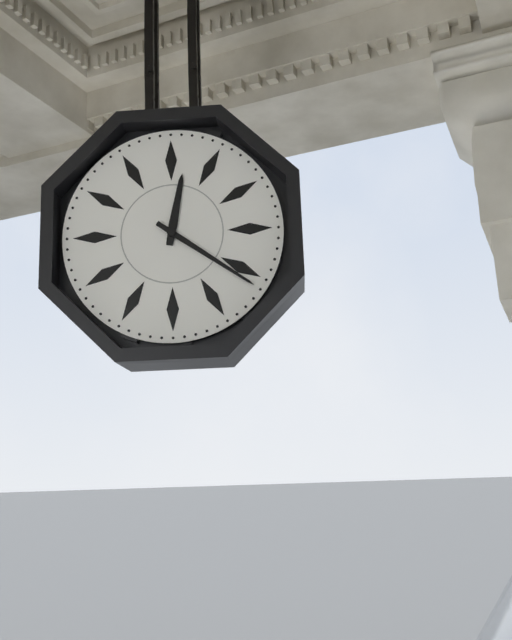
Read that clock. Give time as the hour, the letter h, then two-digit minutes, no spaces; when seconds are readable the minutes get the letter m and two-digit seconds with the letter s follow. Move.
12h21
